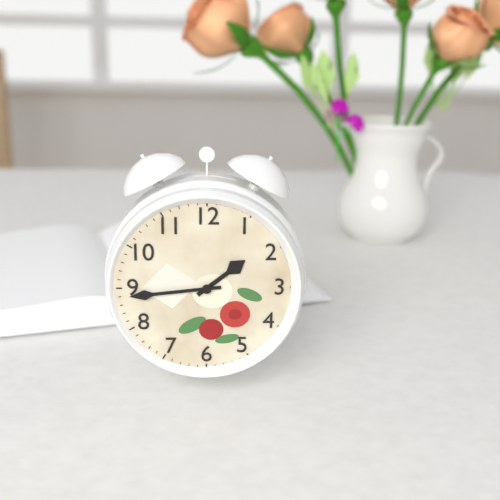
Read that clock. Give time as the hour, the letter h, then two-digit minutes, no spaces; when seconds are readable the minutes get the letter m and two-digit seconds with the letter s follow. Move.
1h44
